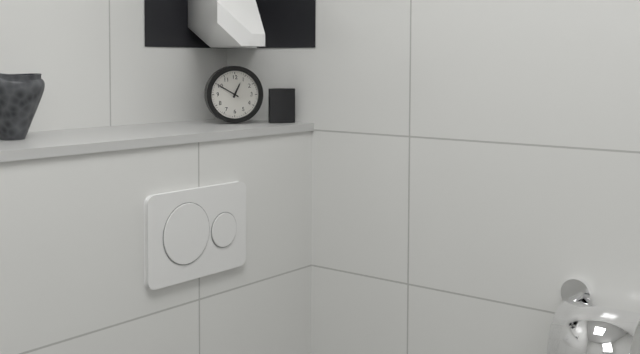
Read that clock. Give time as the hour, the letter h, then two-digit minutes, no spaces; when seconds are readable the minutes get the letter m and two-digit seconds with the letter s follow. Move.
12h50
